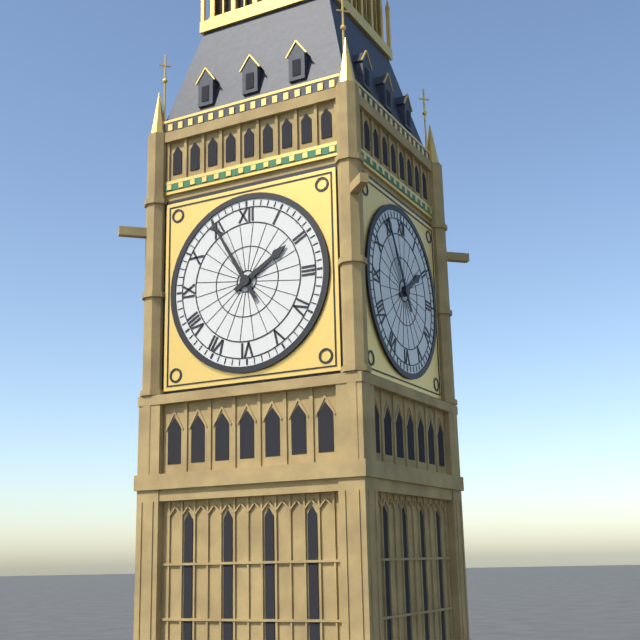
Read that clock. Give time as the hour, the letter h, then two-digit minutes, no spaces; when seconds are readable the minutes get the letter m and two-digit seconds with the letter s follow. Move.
1h55
